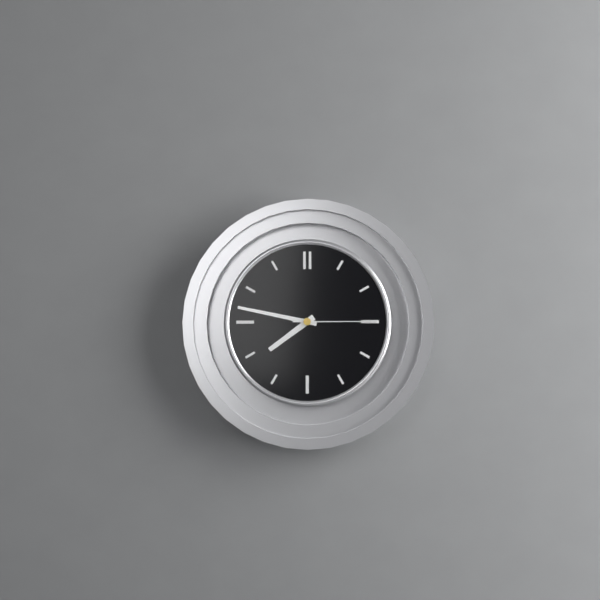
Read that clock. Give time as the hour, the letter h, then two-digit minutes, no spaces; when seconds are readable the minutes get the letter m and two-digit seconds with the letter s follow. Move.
7h47m15s
